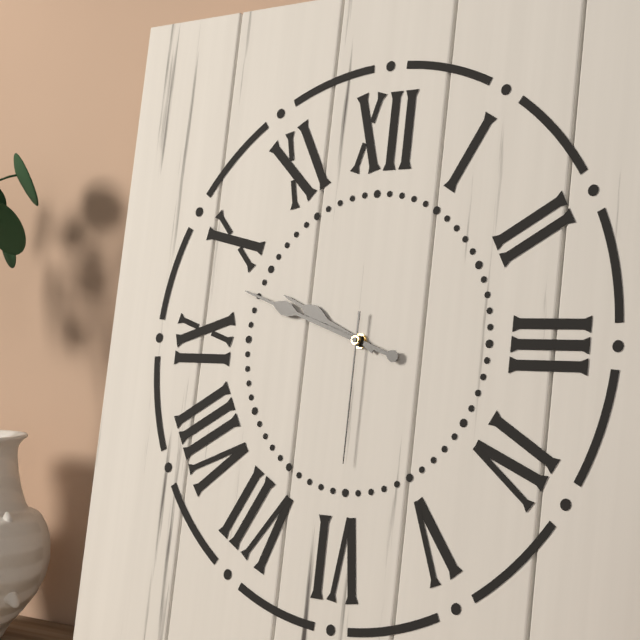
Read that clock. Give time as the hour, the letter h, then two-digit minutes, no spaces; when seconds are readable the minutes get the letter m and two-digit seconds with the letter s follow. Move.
9h48m30s
